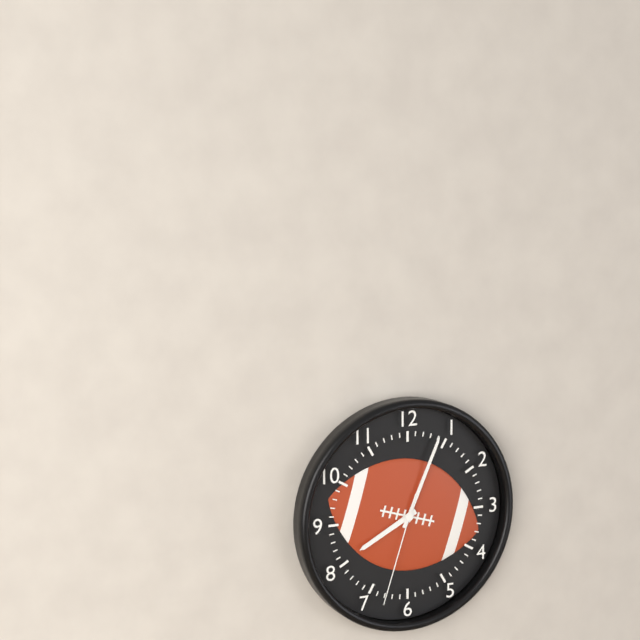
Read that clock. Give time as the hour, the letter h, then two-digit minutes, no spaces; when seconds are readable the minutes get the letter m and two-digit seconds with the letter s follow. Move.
8h04m33s
